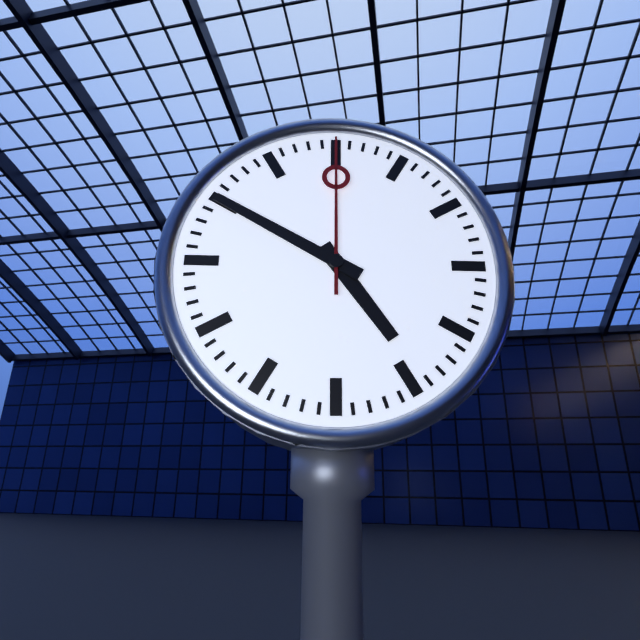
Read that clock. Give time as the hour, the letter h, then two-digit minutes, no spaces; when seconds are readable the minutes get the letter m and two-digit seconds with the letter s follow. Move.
4h50m00s
